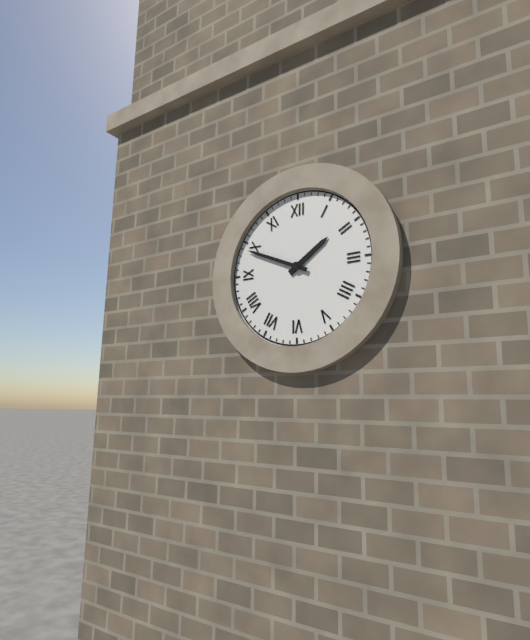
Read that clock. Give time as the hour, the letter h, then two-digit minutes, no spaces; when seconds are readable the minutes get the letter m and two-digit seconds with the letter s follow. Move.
1h49
